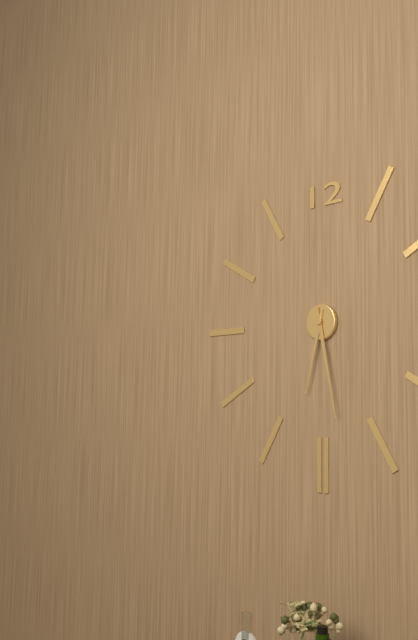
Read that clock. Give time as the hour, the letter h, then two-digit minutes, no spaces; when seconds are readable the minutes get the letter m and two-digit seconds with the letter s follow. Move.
6h28
